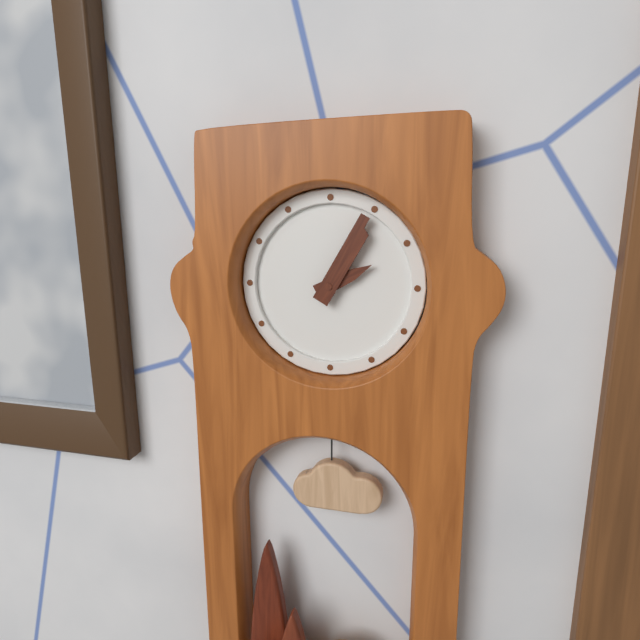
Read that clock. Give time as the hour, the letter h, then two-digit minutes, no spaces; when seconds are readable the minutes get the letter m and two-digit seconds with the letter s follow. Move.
2h05
